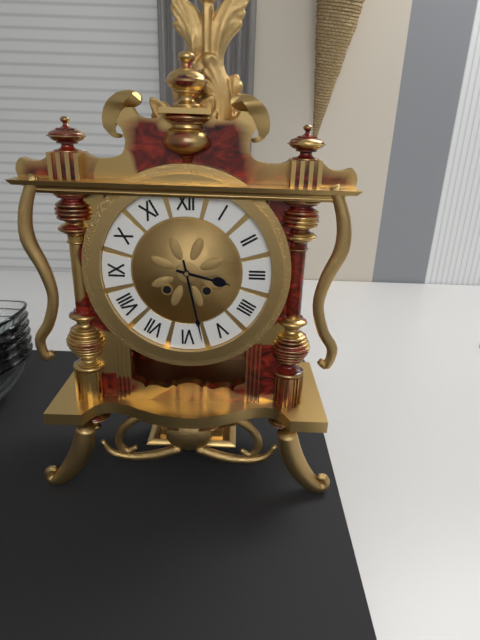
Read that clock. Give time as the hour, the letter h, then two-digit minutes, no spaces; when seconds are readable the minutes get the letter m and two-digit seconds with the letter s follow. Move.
3h28
